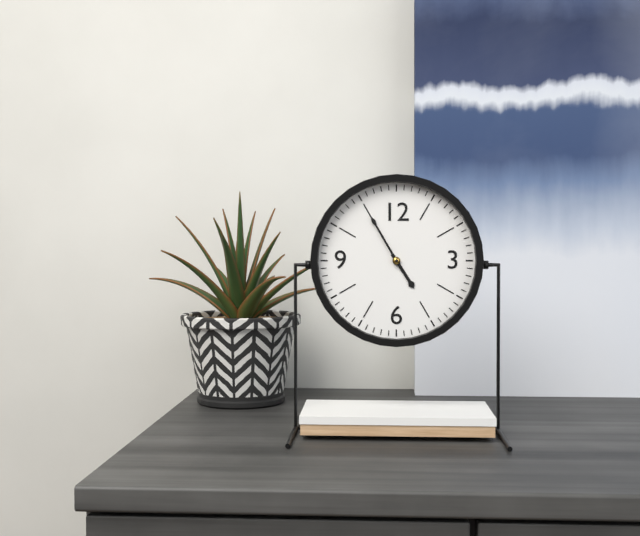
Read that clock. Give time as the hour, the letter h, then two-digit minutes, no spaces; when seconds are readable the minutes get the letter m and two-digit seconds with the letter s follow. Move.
4h55
